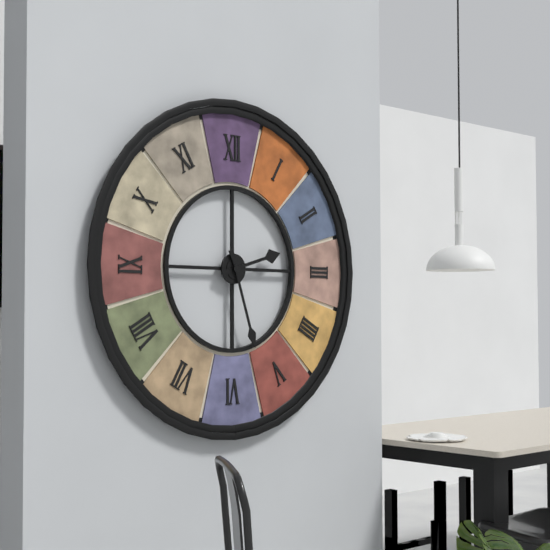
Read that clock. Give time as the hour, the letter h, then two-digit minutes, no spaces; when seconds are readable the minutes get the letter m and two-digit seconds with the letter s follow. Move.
2h27
